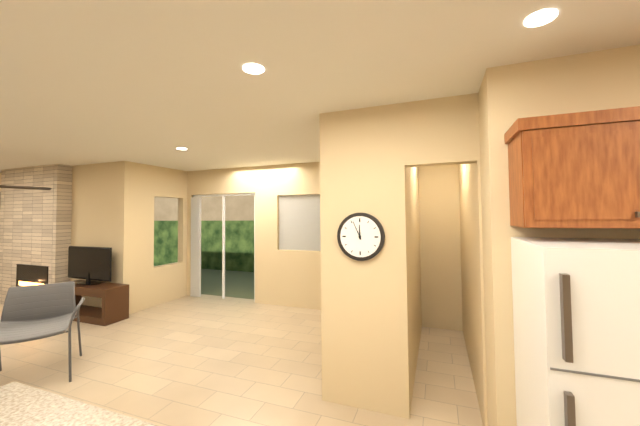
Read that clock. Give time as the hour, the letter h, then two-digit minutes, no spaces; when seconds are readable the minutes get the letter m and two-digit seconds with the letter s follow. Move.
11h56
